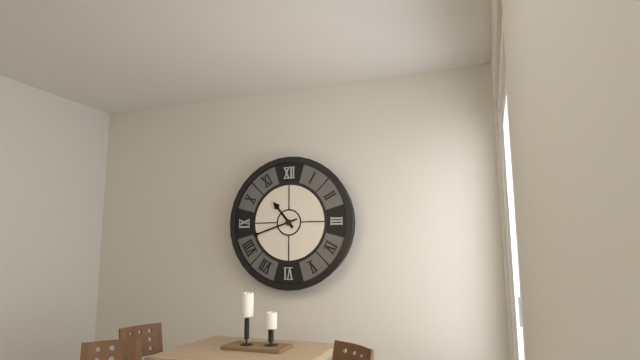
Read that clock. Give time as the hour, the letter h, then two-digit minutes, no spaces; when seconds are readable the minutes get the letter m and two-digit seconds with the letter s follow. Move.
10h42
